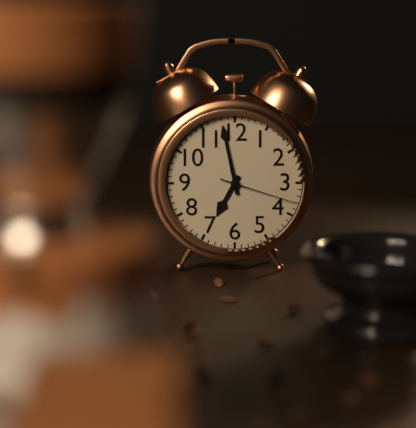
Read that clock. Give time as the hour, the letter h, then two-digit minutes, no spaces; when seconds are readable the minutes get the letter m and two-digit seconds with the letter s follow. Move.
6h58m18s
